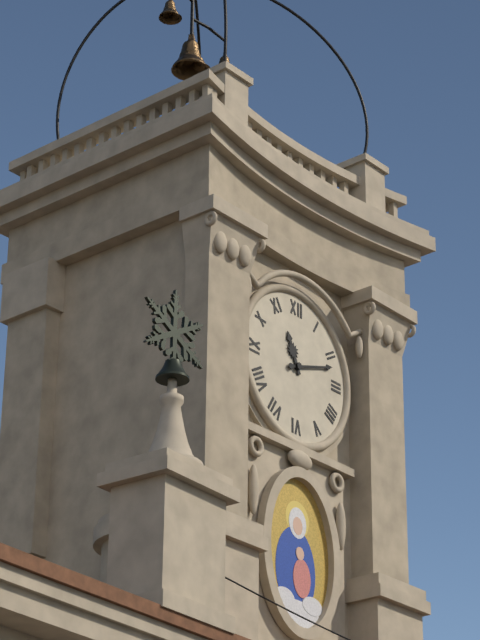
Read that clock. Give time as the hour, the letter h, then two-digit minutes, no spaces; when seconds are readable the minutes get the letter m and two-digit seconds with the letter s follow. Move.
11h12
